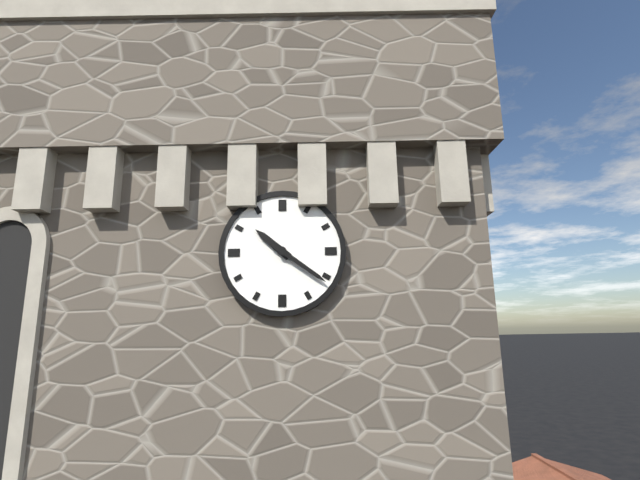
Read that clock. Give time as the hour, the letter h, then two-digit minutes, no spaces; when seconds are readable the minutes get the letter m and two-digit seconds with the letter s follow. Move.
10h21
